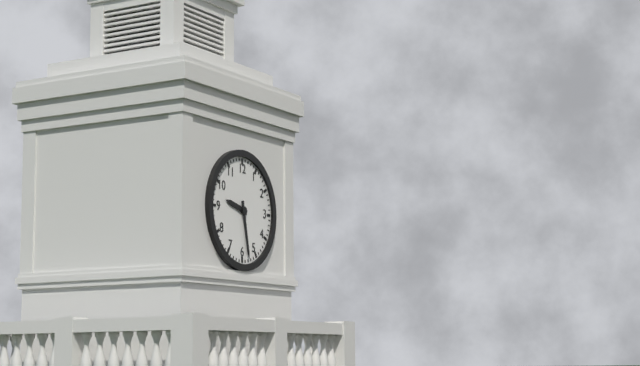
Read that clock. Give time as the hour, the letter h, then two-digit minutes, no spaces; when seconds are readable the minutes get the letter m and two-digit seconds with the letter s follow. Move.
9h28
